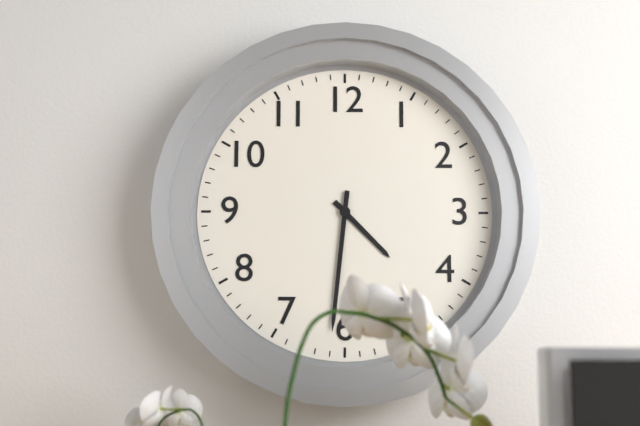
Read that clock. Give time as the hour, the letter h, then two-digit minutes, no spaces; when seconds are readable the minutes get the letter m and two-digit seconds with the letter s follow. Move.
4h31
